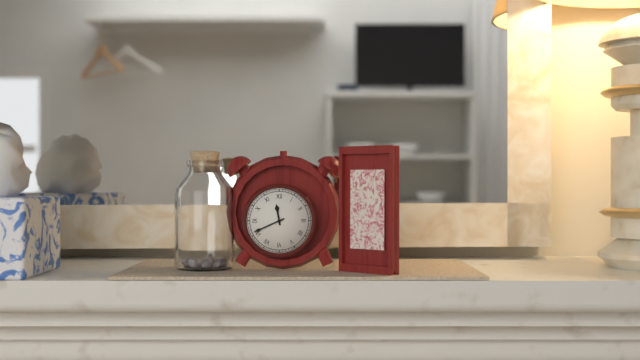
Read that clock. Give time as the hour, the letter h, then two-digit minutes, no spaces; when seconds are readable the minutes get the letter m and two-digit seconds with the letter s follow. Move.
11h41
